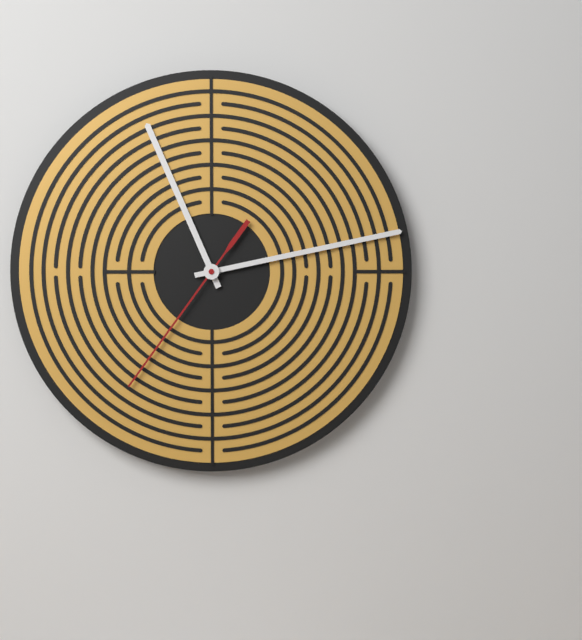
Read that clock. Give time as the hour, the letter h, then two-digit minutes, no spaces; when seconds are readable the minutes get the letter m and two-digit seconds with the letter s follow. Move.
11h13m36s
